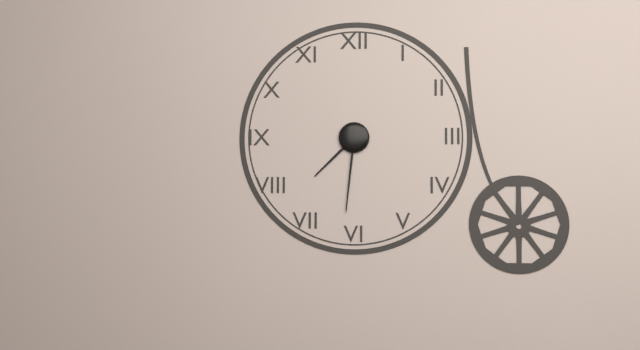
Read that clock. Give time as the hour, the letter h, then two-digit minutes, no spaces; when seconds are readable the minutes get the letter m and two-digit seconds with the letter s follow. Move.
7h31
